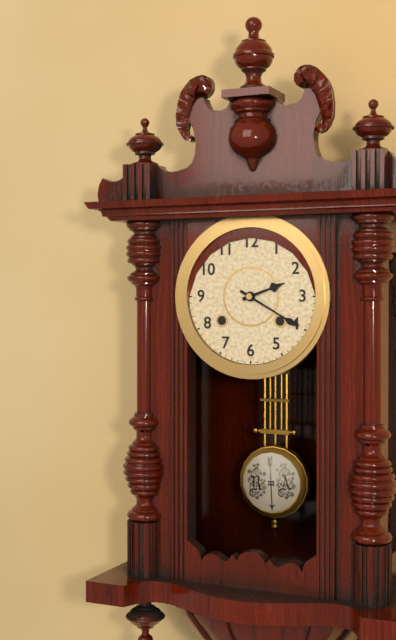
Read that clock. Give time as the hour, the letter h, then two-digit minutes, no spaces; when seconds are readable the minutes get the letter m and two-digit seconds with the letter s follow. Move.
2h20
